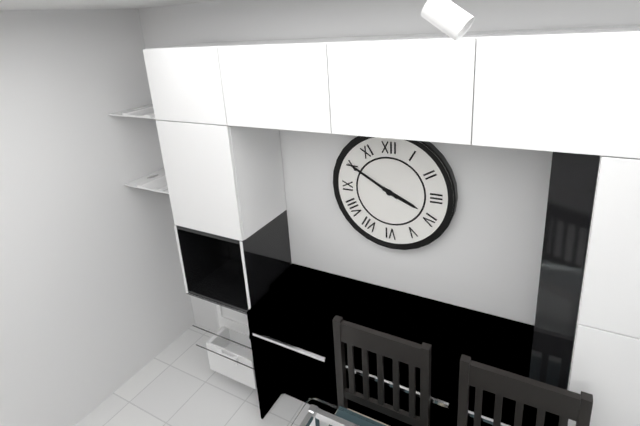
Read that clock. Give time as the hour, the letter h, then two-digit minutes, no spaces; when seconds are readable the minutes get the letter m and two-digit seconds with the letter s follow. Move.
3h50
